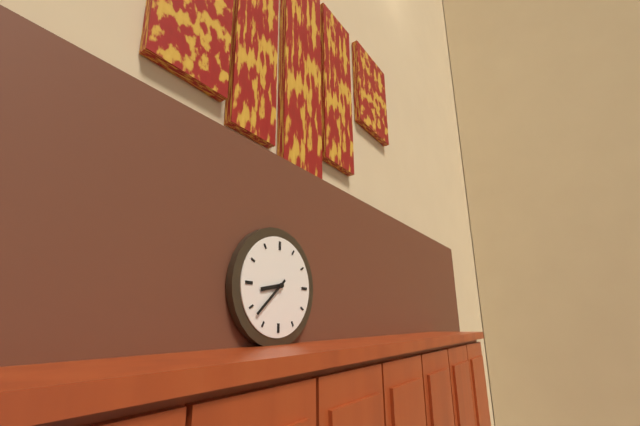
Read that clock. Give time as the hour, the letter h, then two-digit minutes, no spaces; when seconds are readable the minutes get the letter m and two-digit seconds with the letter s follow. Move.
8h38
